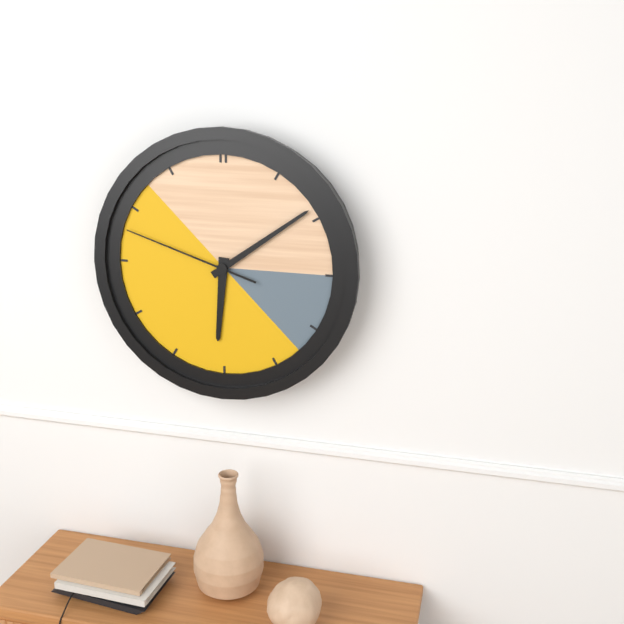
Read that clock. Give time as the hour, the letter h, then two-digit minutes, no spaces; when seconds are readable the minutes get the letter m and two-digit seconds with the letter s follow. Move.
6h09m48s
